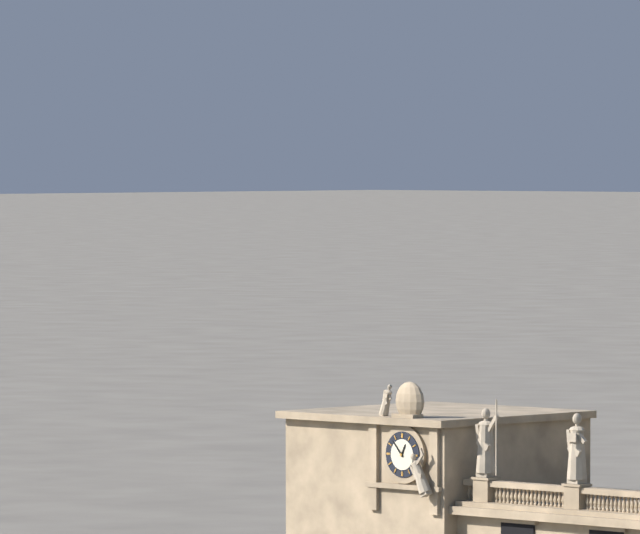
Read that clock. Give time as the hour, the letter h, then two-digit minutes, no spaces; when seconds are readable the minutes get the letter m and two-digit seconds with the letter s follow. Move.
12h53
